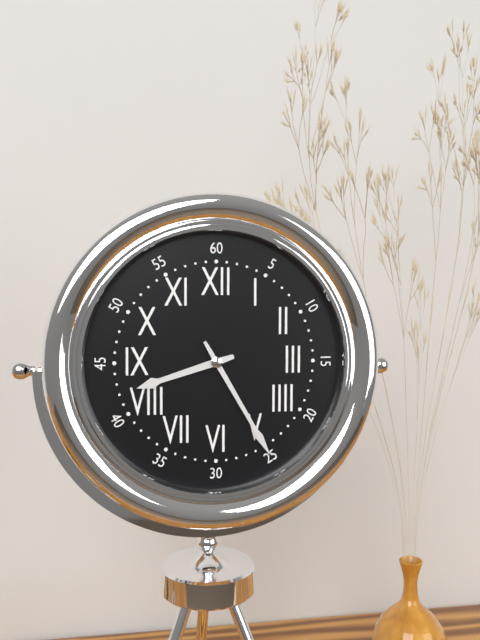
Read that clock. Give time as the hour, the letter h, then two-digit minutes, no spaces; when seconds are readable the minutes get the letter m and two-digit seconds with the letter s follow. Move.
8h25
